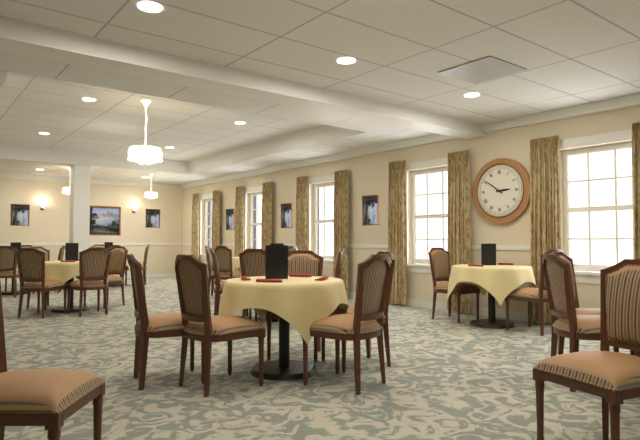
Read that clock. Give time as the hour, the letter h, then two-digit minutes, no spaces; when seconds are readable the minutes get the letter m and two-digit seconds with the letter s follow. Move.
2h51
